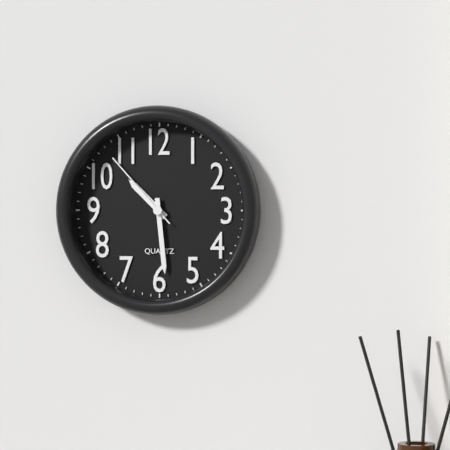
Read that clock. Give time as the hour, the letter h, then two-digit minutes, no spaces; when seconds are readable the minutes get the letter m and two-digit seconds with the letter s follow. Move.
10h29m53s
